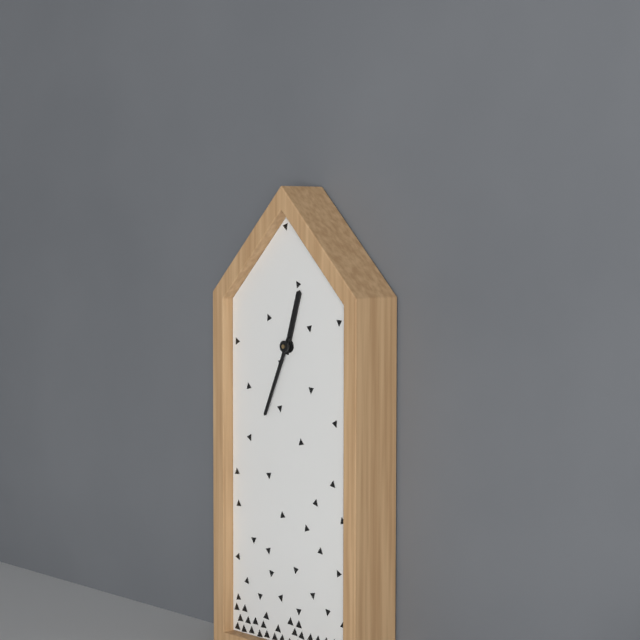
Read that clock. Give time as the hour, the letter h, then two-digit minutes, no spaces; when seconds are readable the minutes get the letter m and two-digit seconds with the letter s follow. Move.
12h34
